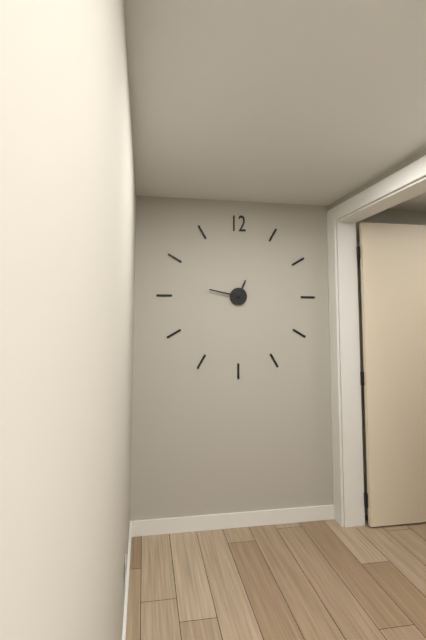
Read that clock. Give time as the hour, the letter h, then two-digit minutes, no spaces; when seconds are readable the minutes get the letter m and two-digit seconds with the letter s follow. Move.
12h47
